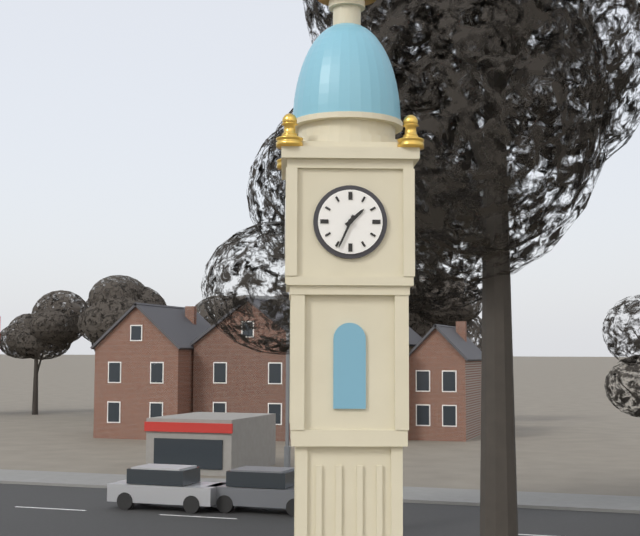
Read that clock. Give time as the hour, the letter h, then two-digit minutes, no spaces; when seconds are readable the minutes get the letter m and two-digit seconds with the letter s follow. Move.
1h34
